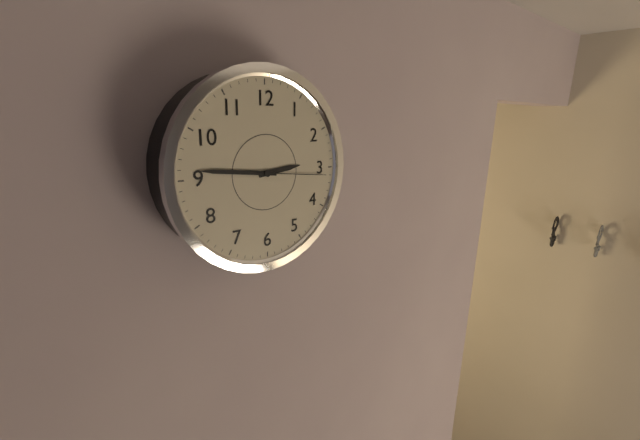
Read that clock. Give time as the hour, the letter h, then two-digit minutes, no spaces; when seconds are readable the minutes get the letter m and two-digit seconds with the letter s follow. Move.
2h46m16s
